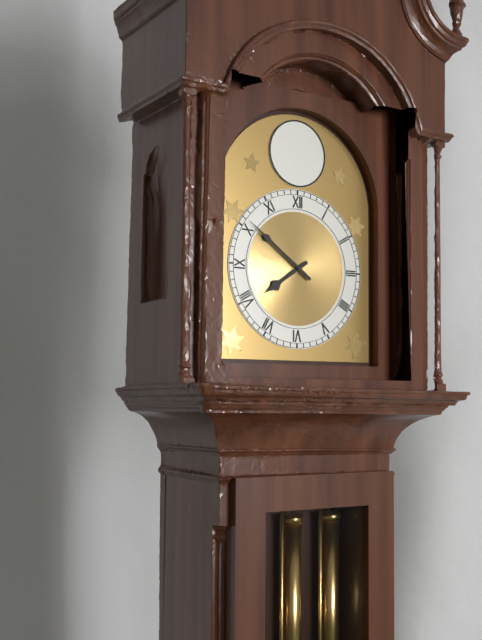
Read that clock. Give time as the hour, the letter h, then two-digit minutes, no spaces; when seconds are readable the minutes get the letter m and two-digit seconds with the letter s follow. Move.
7h51
